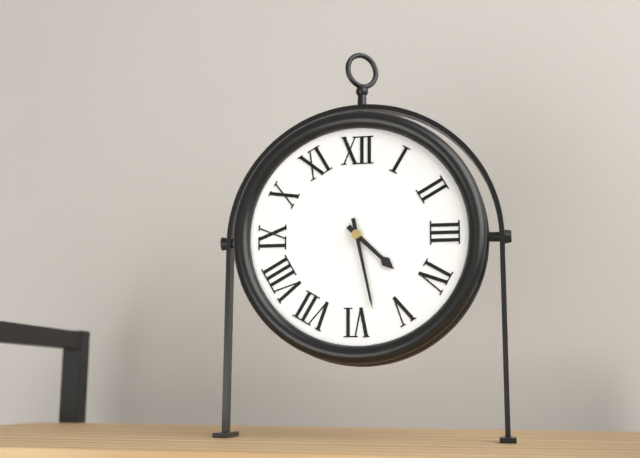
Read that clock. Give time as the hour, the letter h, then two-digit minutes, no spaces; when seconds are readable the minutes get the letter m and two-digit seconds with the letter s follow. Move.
4h28
